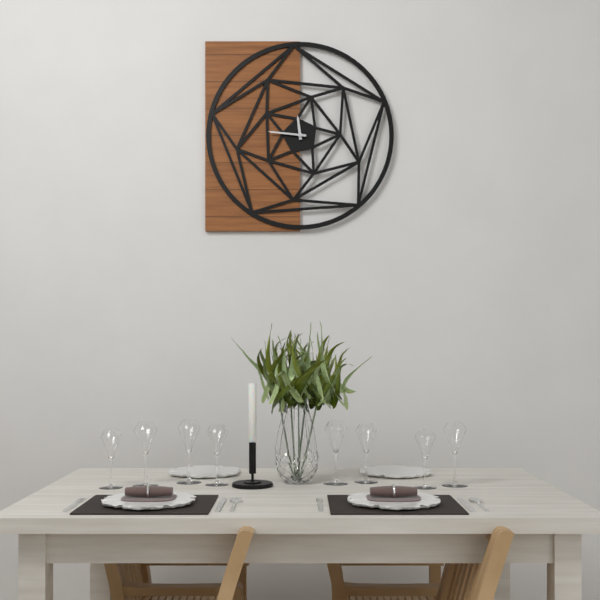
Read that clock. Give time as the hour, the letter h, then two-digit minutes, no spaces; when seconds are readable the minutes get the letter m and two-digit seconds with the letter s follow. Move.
11h46
